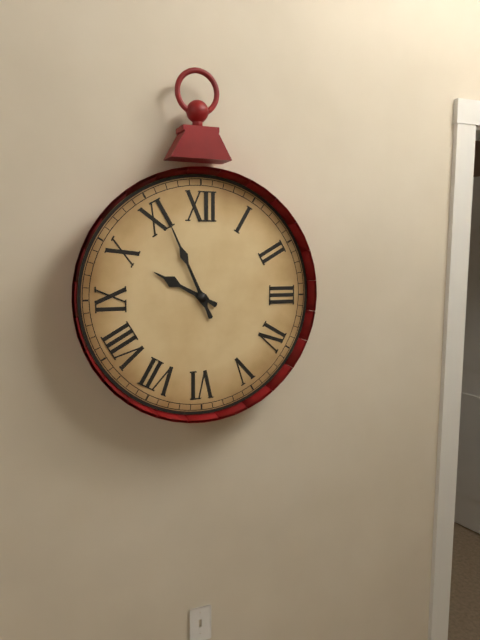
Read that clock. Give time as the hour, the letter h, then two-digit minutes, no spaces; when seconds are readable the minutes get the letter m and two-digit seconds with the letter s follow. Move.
9h56
